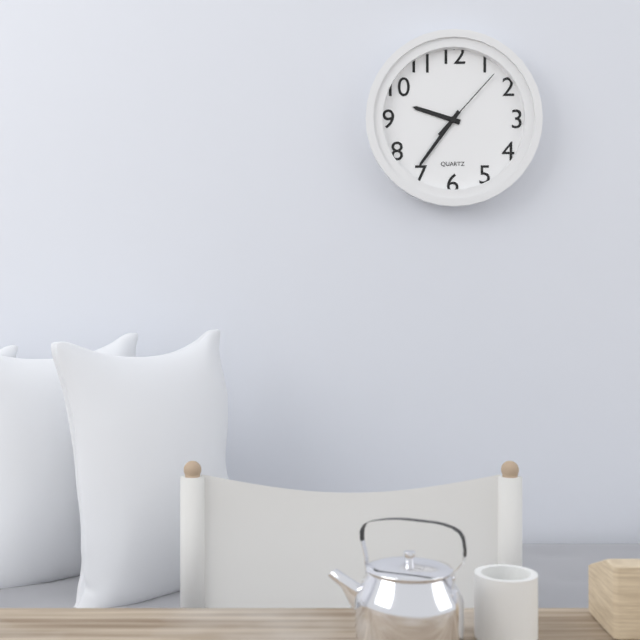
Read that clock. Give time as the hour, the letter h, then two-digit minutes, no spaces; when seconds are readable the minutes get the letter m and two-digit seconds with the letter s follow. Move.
9h36m07s
